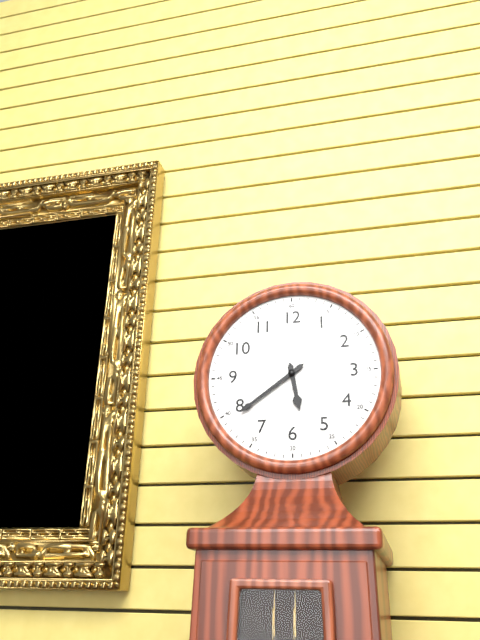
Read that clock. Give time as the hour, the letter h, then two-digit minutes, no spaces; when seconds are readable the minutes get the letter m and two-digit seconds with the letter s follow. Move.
5h39
